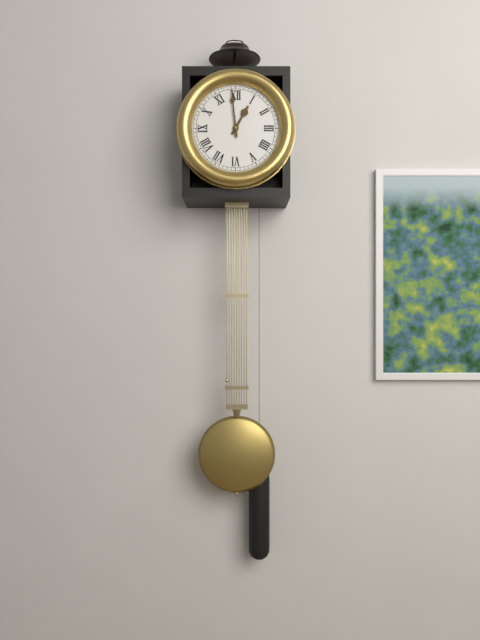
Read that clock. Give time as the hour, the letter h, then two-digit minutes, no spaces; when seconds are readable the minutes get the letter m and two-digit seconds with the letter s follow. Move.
12h59
